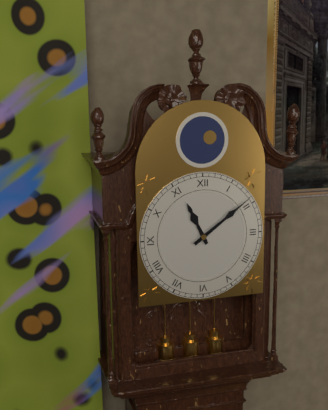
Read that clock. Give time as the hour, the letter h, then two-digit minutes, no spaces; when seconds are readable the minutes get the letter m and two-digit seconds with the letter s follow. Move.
11h09
